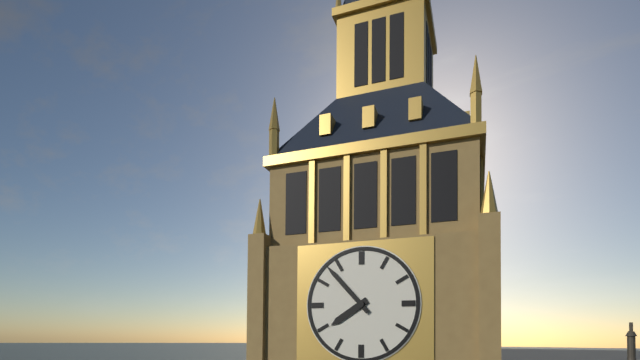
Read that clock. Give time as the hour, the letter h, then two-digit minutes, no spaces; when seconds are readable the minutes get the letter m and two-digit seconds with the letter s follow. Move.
7h53
